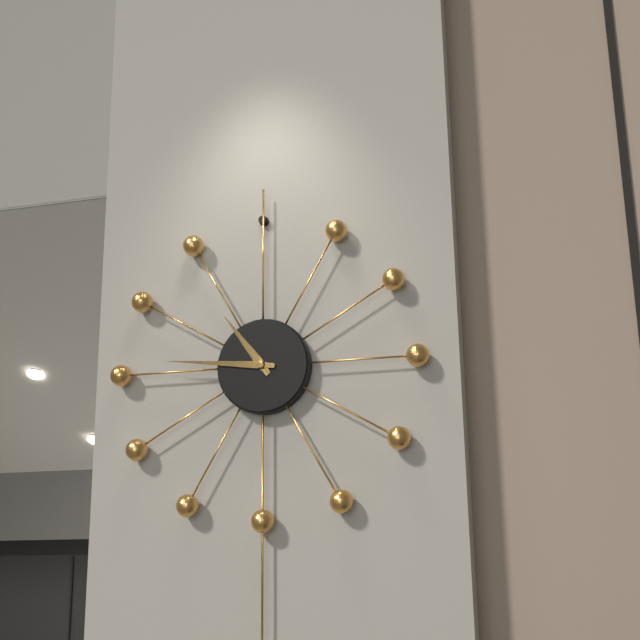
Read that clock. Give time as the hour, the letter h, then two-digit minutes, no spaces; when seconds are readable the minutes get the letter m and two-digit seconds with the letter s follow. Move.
10h46
